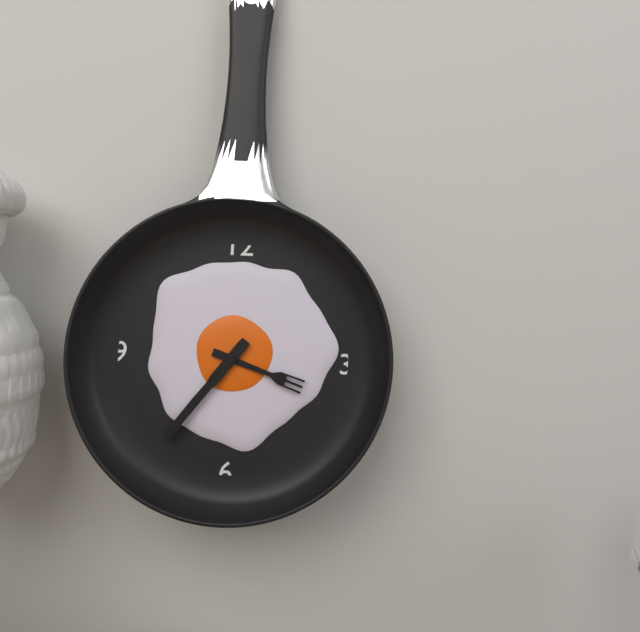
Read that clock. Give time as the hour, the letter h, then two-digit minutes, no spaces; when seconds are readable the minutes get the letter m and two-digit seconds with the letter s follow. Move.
3h36
